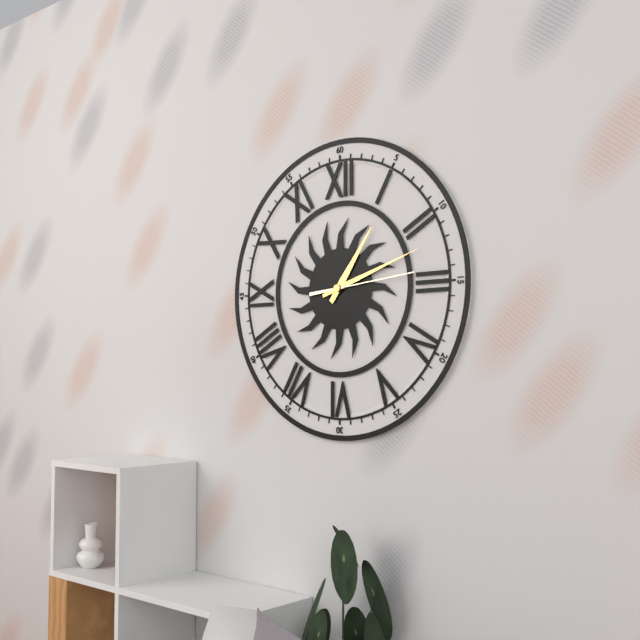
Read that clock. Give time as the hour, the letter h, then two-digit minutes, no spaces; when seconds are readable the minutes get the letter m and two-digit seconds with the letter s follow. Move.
1h12m14s
